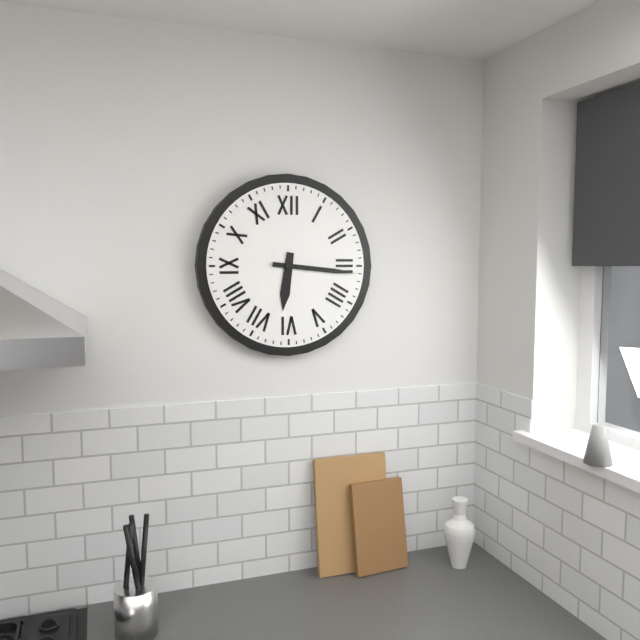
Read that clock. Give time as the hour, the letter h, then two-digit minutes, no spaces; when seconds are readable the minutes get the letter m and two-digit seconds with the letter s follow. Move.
6h16
